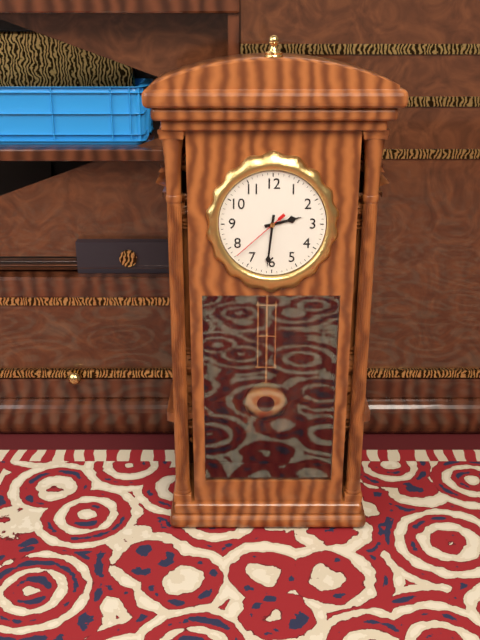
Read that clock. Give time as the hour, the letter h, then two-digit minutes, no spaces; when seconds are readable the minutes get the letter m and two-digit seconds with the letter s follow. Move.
2h31m38s
